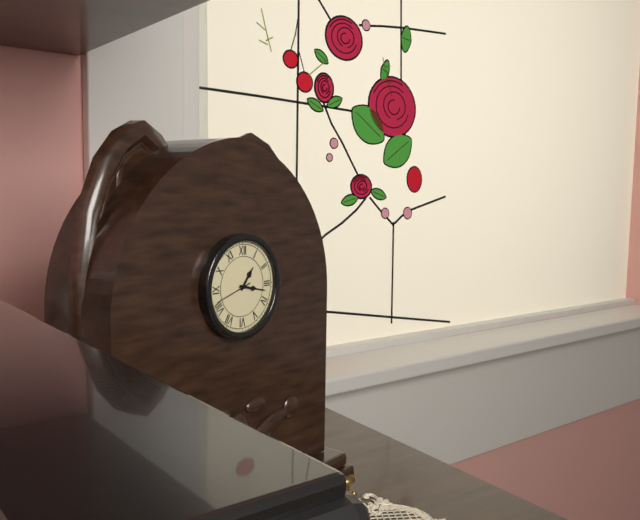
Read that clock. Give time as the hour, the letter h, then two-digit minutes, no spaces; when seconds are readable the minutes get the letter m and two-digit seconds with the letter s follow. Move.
1h17
